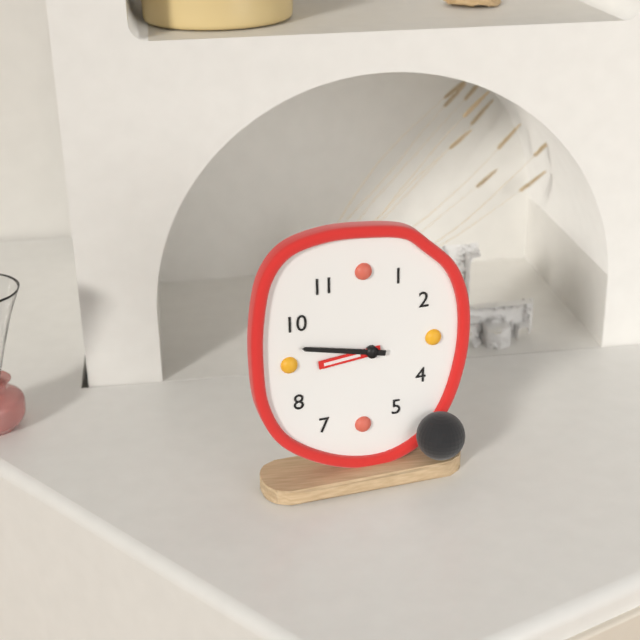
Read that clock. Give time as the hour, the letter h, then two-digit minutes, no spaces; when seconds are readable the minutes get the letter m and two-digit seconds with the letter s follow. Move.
8h47
